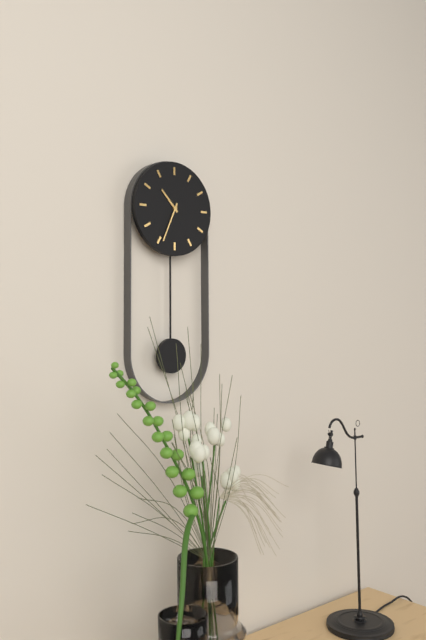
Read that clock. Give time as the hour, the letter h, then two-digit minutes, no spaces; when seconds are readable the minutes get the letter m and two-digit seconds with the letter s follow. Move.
10h34
